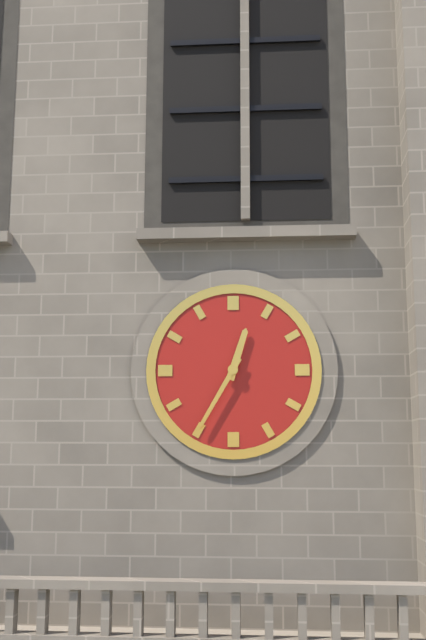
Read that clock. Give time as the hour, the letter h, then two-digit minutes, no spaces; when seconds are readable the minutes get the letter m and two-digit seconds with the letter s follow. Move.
12h35
